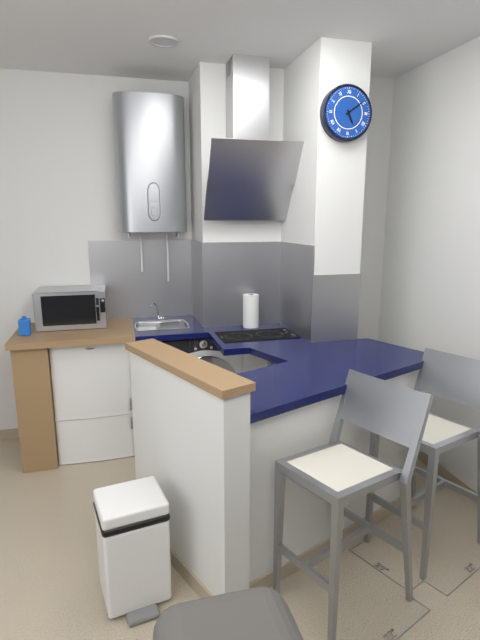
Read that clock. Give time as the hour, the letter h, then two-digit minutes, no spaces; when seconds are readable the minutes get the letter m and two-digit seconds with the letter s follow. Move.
5h09
